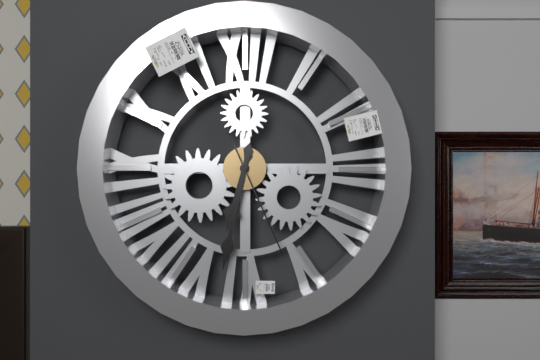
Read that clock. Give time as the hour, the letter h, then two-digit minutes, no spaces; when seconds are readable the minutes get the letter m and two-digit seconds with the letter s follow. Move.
6h32m26s
